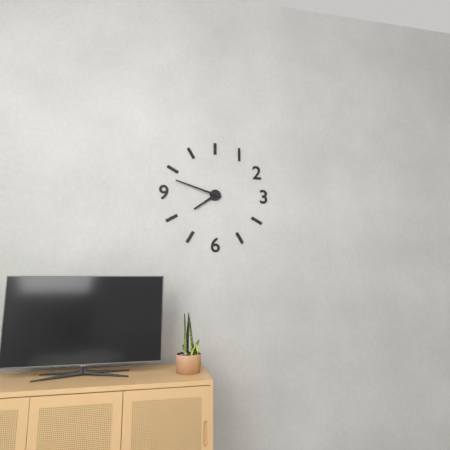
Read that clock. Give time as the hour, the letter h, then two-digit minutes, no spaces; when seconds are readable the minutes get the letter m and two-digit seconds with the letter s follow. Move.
7h48
